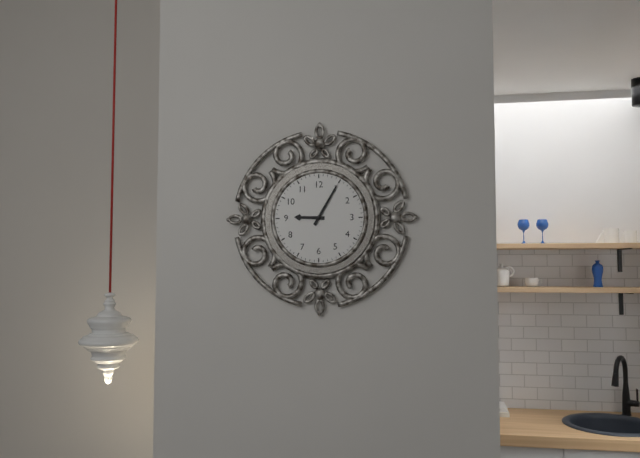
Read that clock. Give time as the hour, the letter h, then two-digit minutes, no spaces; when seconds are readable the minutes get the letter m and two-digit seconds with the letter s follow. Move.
9h05
